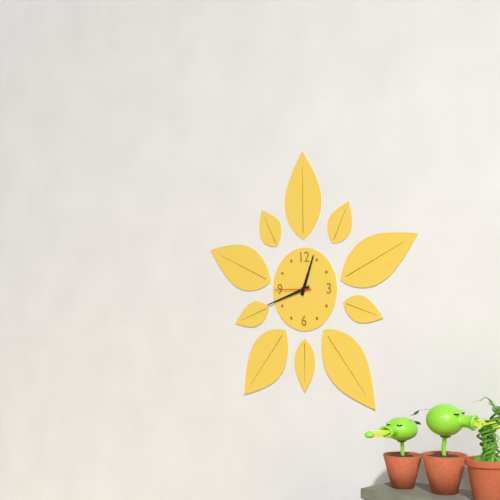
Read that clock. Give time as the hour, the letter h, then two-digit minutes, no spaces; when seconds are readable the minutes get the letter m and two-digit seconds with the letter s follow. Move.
12h42
